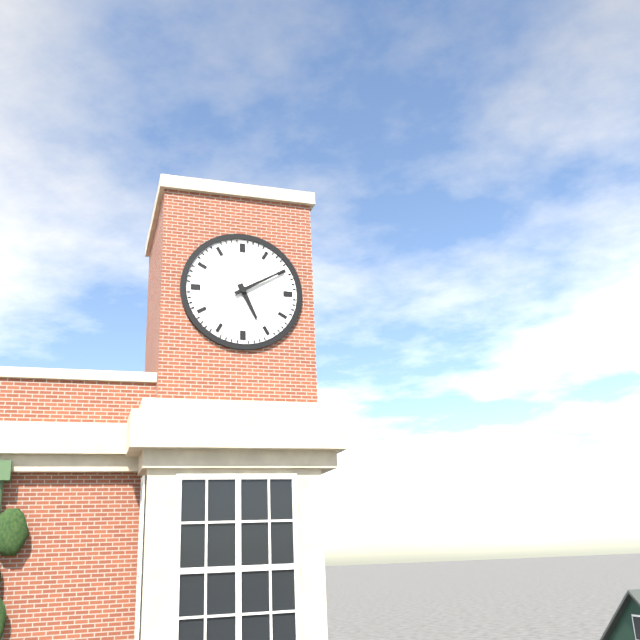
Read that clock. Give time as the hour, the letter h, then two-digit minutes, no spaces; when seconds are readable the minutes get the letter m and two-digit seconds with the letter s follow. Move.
5h10
